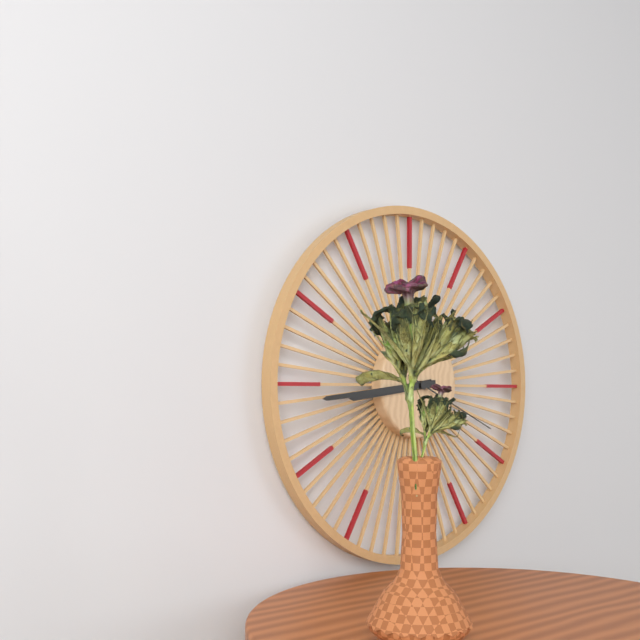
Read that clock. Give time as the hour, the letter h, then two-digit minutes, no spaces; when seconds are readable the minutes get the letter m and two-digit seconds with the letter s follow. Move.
8h44m19s
